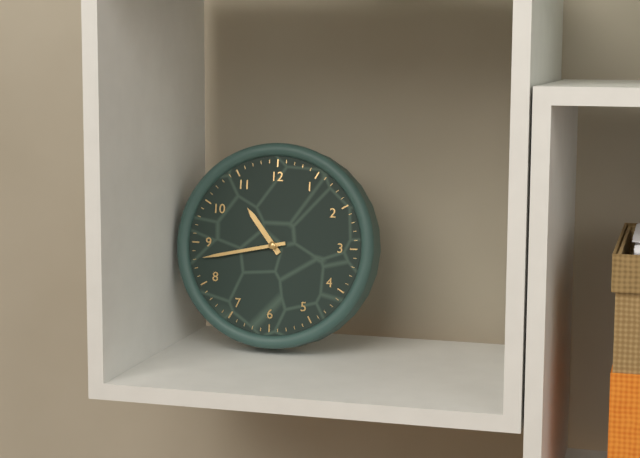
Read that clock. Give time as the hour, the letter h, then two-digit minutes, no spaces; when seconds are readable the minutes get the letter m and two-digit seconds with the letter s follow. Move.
10h43
